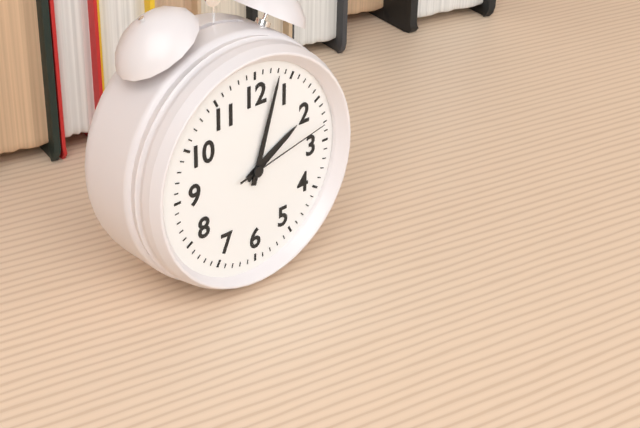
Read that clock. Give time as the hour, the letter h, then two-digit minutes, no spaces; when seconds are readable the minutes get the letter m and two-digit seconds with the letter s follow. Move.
2h03m13s
